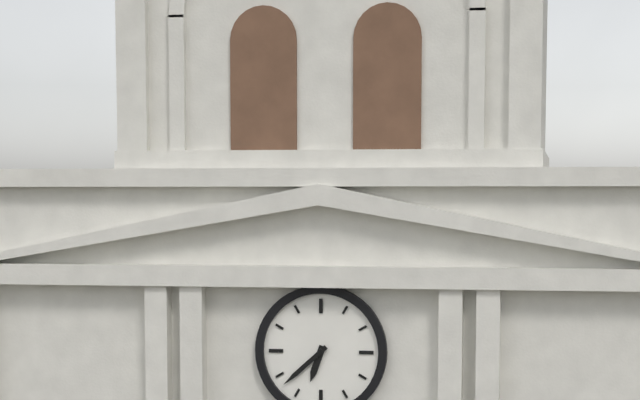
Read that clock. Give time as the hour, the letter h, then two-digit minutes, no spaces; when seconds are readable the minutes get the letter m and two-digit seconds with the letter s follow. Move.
6h38
